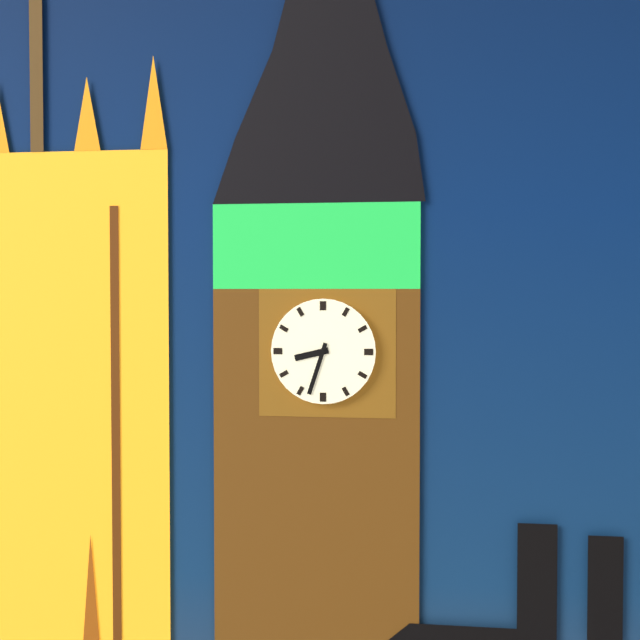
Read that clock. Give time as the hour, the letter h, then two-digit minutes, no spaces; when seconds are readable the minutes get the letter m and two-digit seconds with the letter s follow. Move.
8h33
